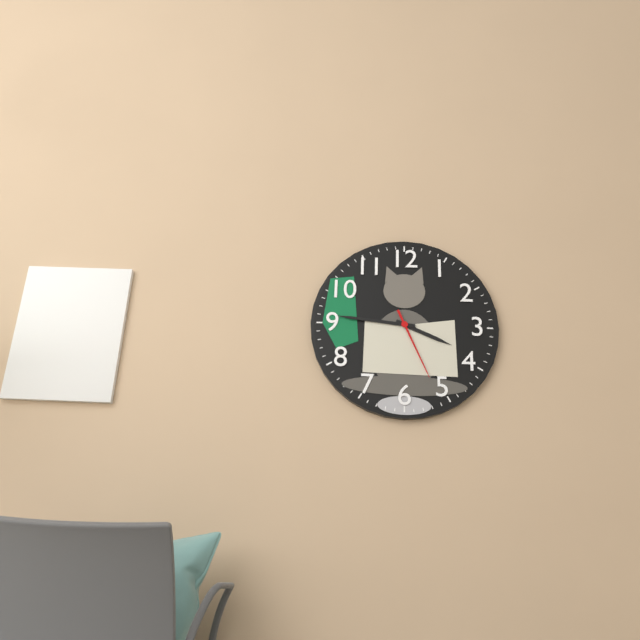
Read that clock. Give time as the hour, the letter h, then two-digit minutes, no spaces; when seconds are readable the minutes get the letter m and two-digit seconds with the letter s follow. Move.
3h46m26s
